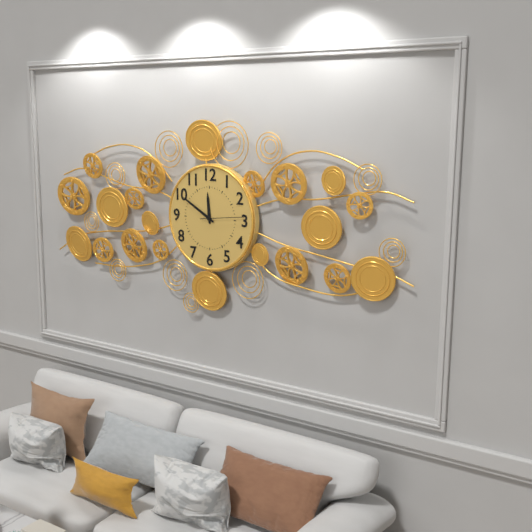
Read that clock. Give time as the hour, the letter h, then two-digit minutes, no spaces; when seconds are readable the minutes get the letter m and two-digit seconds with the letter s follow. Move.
11h50
